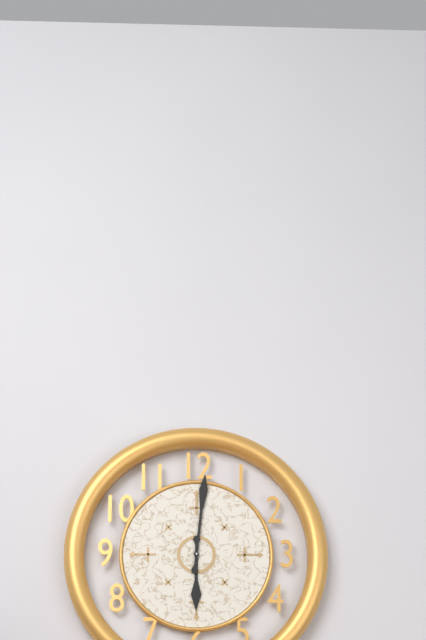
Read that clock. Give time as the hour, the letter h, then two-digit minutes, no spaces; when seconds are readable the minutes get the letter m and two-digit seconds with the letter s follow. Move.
6h01
